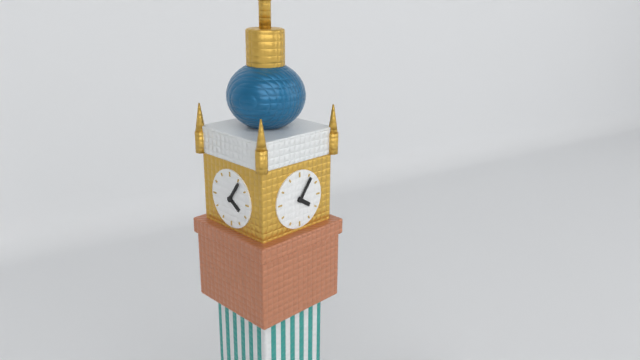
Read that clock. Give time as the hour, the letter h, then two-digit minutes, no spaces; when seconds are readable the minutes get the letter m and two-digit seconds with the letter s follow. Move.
4h06
